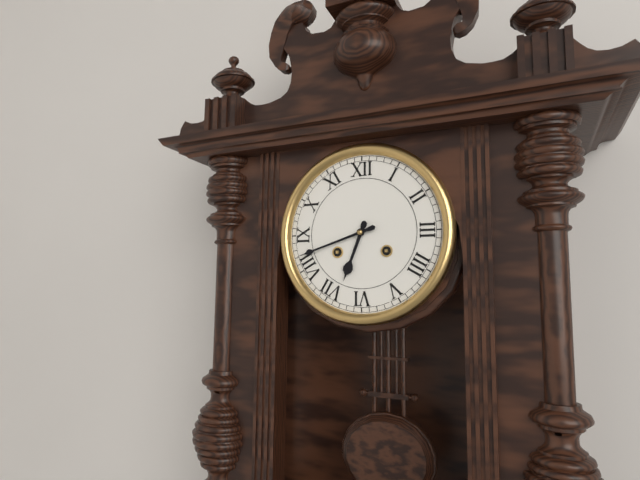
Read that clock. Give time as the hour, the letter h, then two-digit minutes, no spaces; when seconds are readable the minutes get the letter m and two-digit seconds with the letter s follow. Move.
6h42
